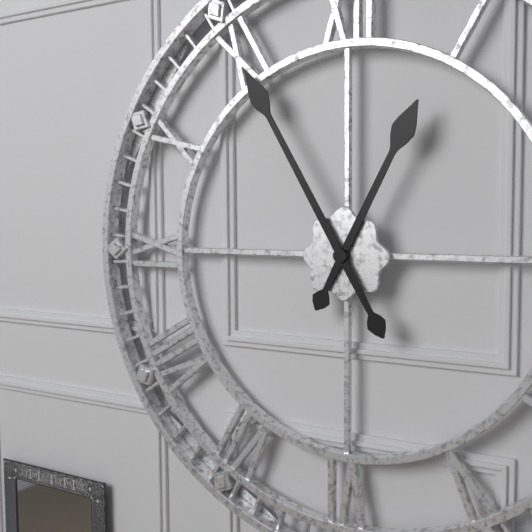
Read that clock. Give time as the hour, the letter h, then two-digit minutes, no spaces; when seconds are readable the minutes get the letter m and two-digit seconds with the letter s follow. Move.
12h55
